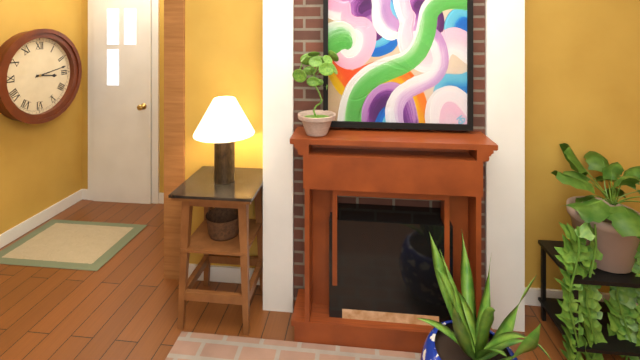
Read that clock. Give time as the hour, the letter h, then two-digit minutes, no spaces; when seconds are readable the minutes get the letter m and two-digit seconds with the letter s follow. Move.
3h13
